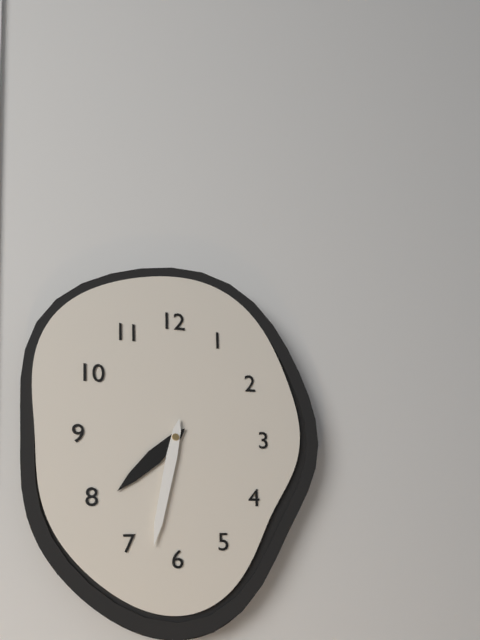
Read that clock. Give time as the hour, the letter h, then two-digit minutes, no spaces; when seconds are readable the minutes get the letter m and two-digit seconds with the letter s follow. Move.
7h32
